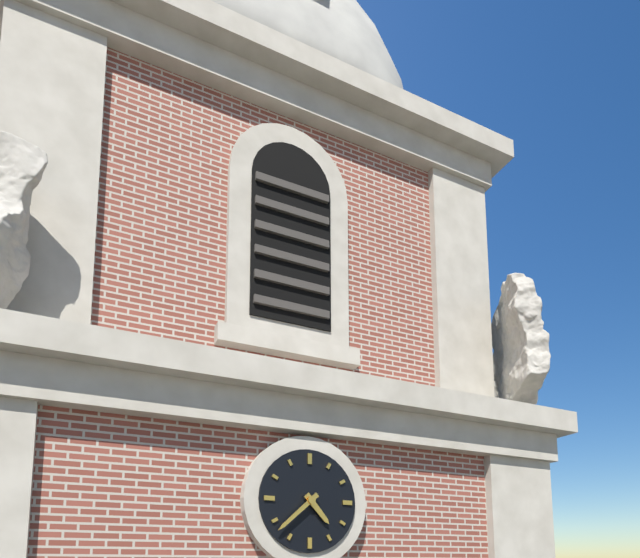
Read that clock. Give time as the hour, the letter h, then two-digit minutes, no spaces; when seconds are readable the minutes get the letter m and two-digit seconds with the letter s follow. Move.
4h38
